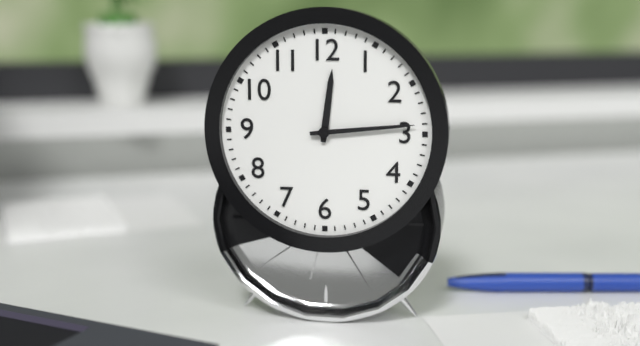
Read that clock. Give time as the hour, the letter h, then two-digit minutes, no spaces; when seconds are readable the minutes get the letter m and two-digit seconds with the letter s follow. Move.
12h14
